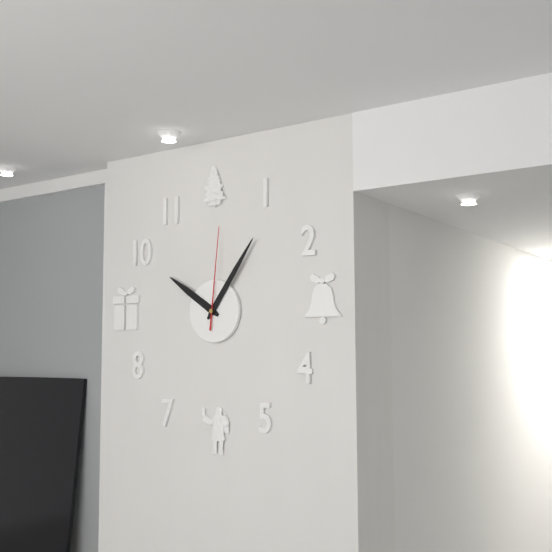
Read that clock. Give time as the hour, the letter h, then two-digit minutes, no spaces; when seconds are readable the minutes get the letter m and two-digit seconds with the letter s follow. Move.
10h06m01s
